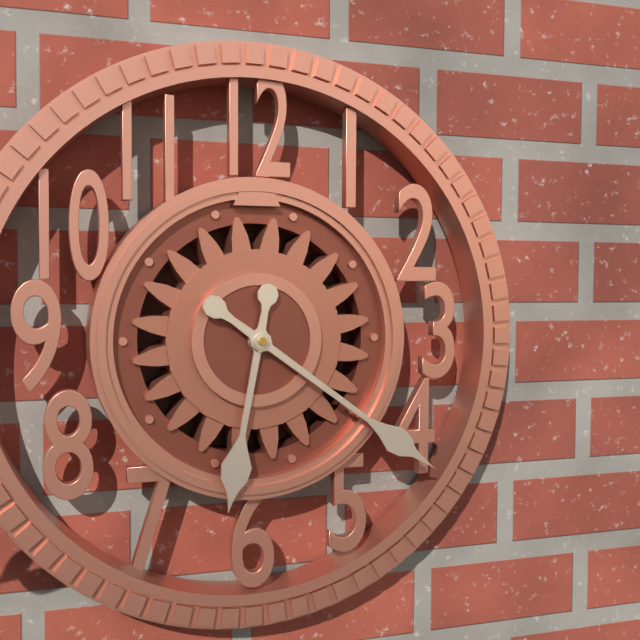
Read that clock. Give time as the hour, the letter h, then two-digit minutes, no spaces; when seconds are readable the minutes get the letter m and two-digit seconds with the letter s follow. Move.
6h21
